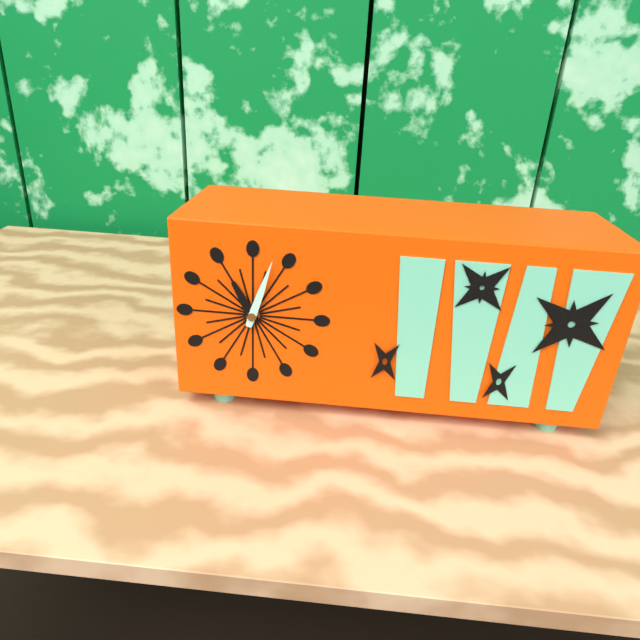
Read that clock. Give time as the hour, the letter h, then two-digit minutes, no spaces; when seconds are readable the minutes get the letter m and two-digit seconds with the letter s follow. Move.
11h03
